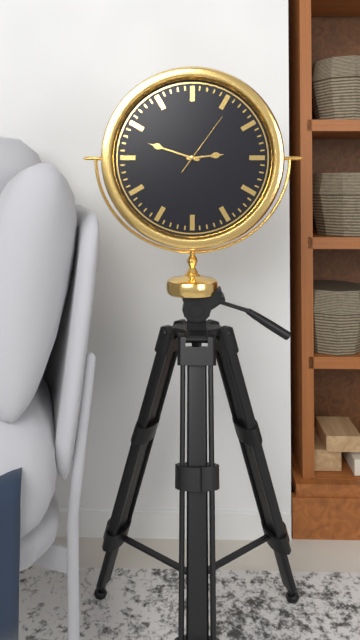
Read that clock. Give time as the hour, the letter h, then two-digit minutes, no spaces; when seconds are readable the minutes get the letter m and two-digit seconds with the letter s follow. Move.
2h48m06s
